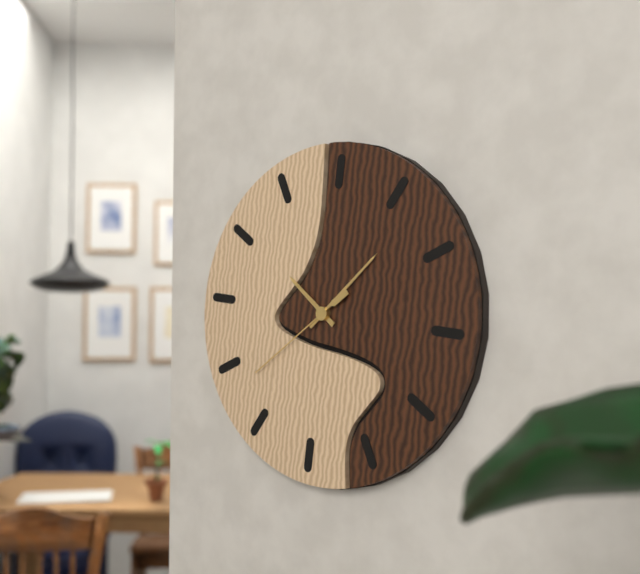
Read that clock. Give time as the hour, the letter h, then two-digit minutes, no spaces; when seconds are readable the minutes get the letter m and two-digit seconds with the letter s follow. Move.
10h07m38s
